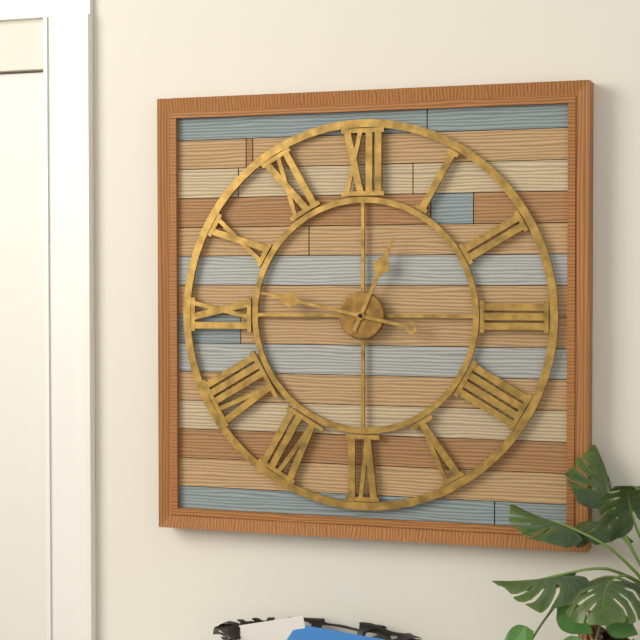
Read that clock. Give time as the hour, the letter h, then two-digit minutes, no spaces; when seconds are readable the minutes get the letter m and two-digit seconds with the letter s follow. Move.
12h47
